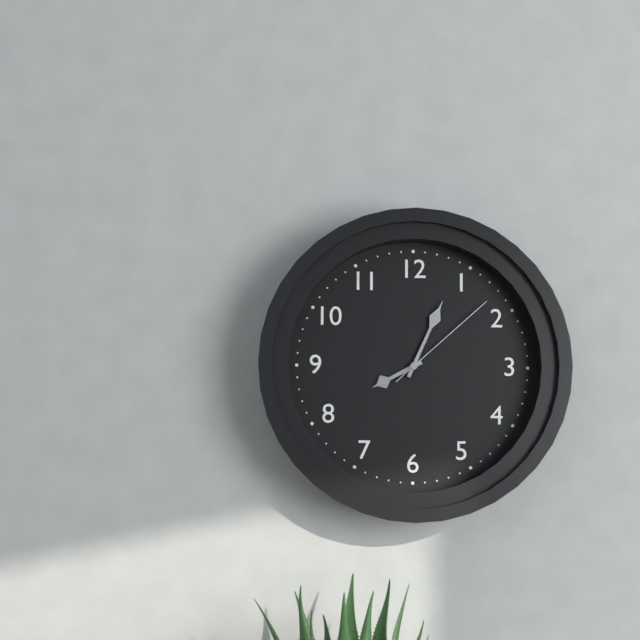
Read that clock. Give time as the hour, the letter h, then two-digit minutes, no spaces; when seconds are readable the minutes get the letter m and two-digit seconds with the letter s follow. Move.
8h04m08s
